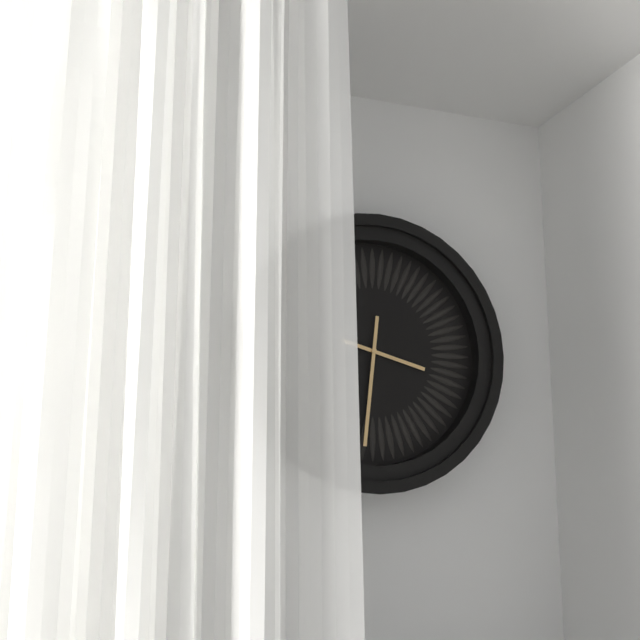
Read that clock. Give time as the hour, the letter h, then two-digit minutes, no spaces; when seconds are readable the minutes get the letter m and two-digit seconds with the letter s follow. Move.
3h31
